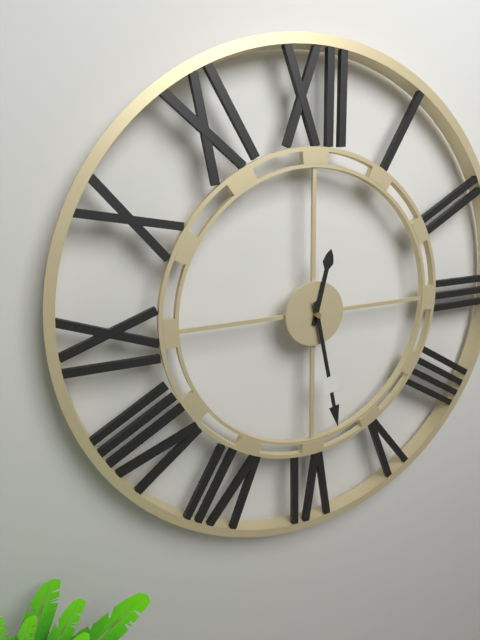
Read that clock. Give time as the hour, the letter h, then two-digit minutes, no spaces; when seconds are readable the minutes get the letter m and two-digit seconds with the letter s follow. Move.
12h28
